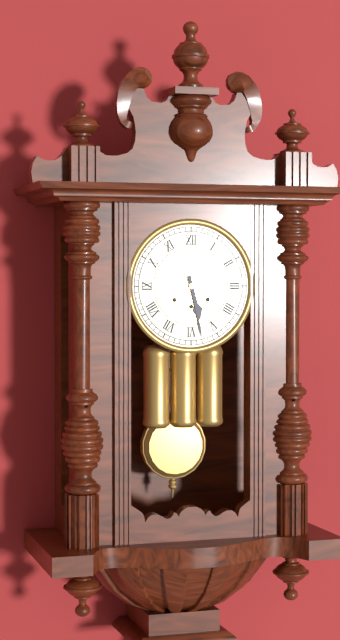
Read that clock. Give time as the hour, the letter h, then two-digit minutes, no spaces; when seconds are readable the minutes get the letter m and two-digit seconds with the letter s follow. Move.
5h28
